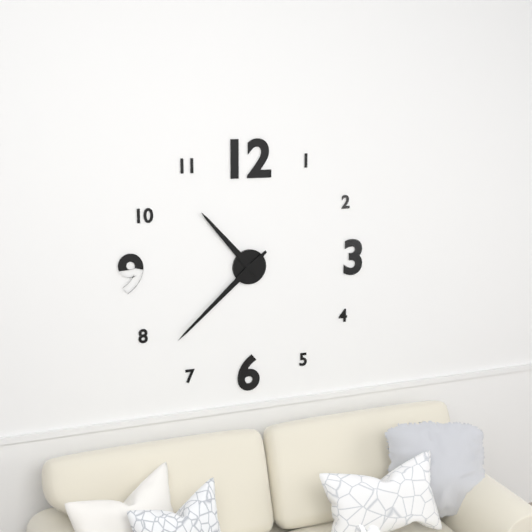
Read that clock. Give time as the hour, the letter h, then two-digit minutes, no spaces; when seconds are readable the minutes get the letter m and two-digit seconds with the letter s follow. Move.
10h38
